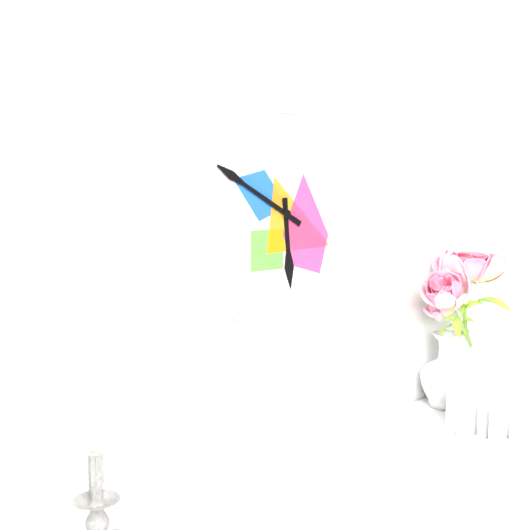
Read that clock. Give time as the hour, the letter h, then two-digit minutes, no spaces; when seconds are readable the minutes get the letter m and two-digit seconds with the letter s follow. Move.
5h50
